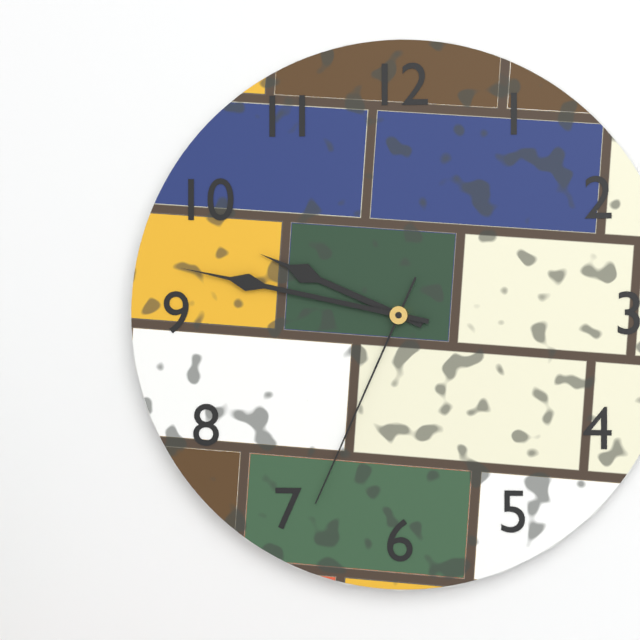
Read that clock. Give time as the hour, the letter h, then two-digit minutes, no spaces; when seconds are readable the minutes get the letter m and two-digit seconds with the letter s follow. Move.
9h47m34s
